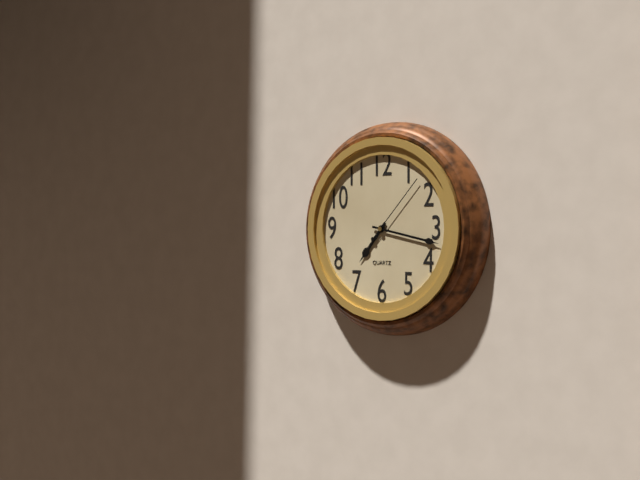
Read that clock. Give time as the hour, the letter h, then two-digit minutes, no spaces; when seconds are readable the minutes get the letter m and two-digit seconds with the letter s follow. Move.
7h17m07s
